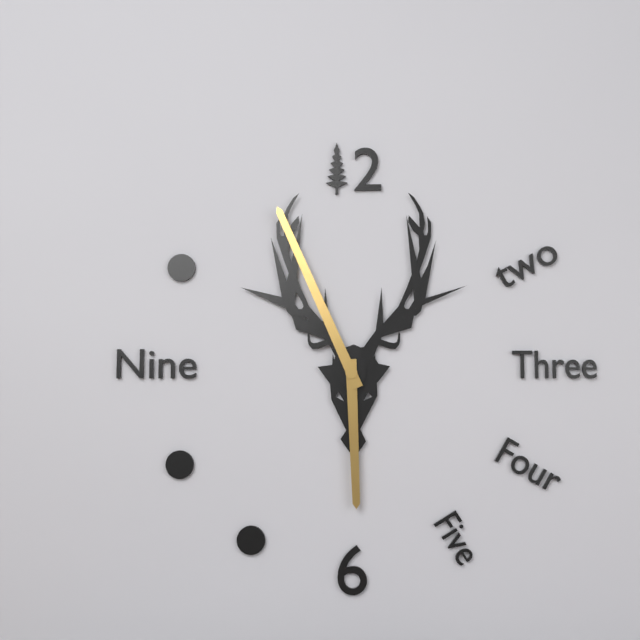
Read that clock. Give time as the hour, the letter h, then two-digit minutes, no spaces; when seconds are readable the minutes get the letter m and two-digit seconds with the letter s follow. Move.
5h56
